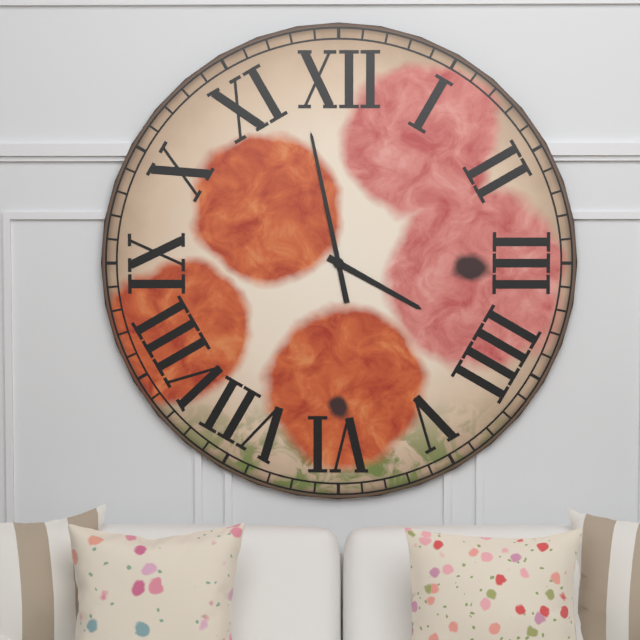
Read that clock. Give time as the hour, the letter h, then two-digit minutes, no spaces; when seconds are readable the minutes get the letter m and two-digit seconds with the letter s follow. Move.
3h58
